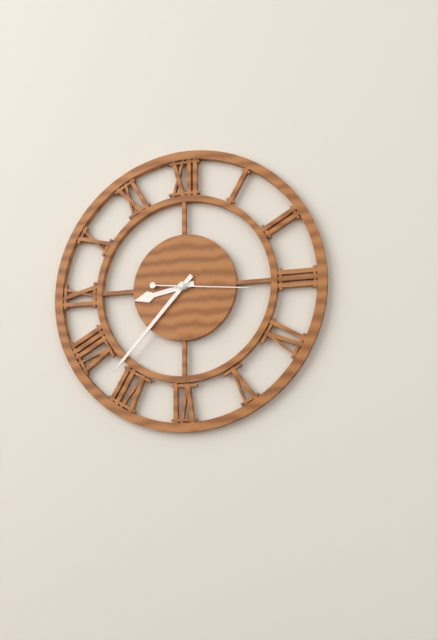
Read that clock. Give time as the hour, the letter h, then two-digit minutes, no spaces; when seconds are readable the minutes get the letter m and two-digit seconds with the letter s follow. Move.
8h37m16s
